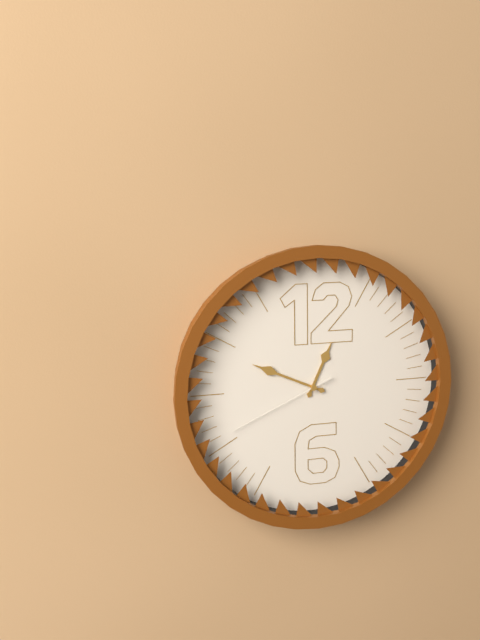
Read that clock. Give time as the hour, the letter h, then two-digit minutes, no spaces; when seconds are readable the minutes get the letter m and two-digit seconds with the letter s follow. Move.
12h49m41s
